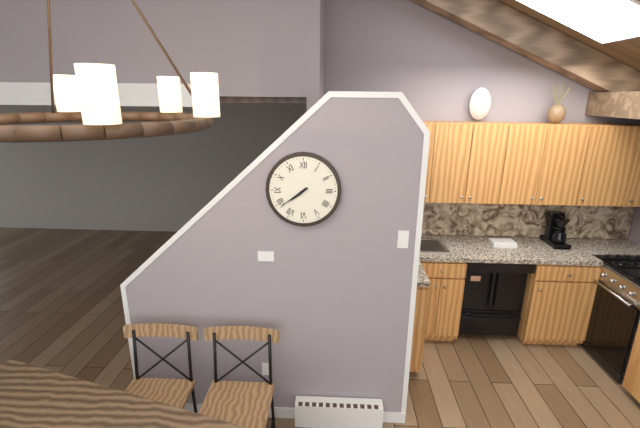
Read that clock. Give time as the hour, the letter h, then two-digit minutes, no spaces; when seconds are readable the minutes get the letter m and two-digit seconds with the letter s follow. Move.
7h39
